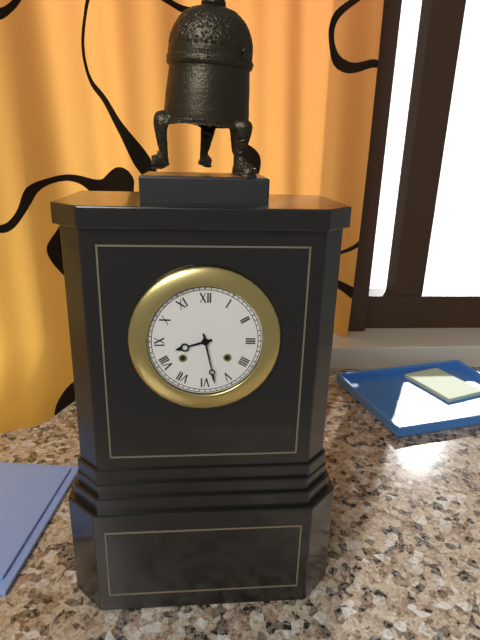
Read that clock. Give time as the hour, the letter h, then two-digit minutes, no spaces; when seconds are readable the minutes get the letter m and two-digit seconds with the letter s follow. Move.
8h28
